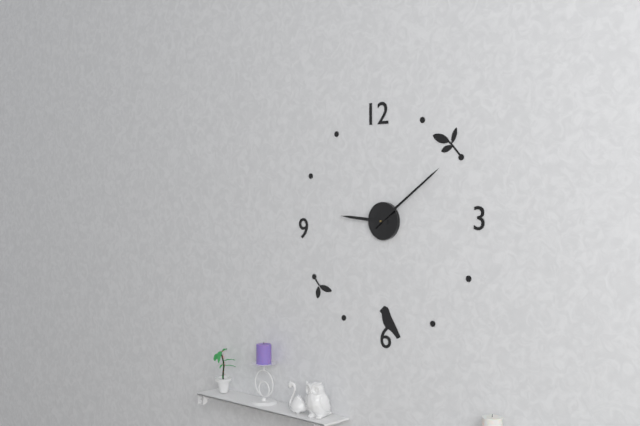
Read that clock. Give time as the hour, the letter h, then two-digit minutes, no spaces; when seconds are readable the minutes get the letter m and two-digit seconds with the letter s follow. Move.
9h09
